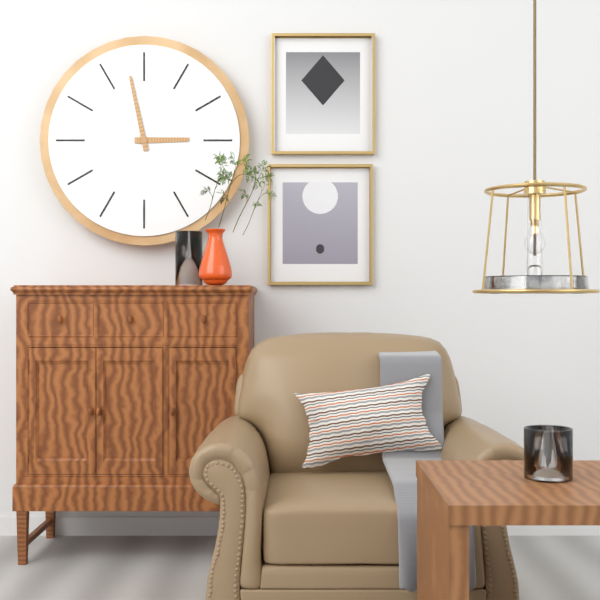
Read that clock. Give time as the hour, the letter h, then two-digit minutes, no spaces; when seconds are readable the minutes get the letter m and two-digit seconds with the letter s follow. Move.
2h58
